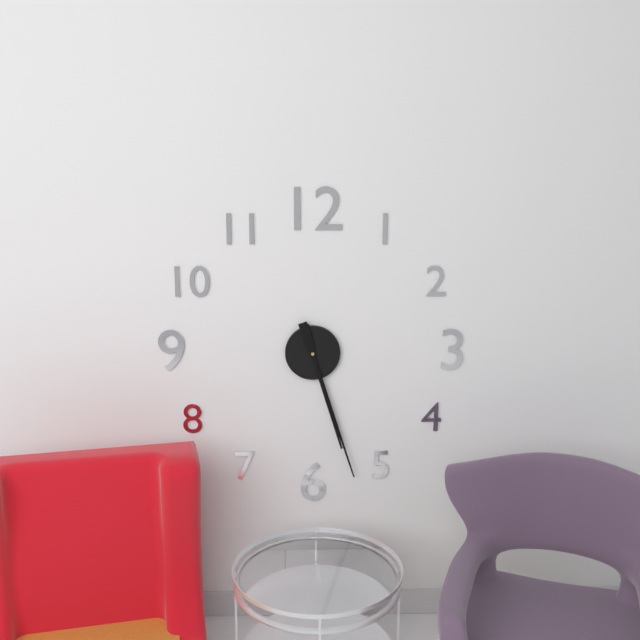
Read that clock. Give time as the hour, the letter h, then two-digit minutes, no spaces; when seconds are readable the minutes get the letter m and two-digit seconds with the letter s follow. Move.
5h27
